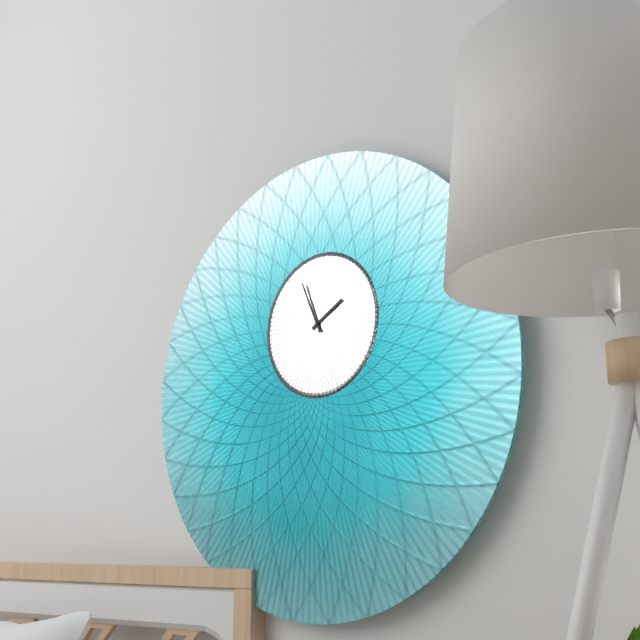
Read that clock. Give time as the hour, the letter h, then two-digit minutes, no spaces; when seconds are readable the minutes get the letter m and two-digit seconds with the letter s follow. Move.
1h56
